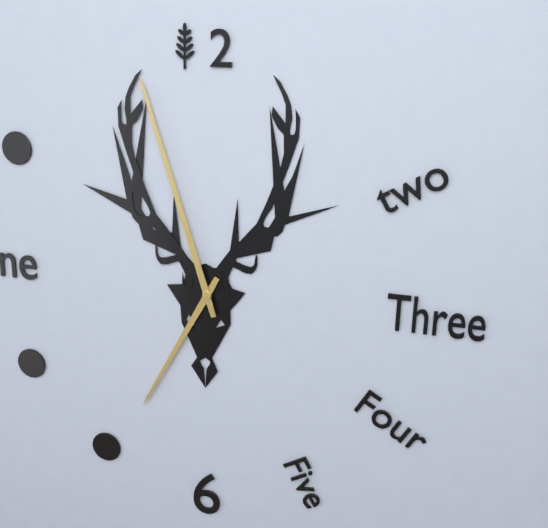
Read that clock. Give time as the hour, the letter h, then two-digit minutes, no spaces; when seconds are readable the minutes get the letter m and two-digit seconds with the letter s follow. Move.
6h57
